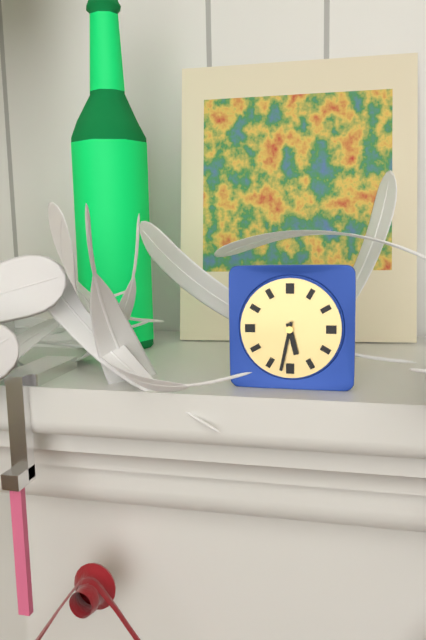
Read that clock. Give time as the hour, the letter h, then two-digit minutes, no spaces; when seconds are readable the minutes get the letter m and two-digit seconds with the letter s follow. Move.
5h32
